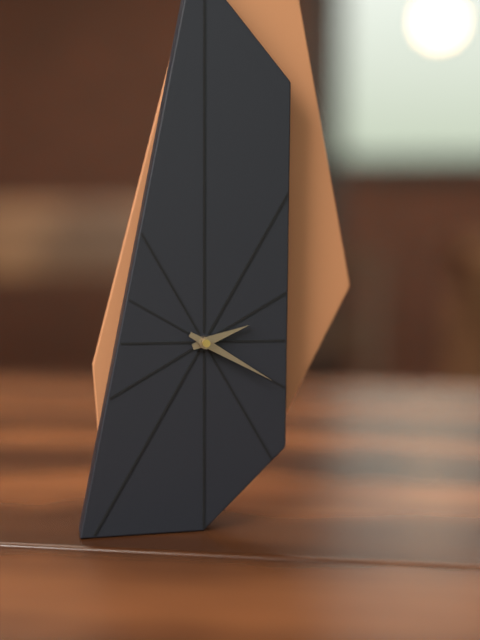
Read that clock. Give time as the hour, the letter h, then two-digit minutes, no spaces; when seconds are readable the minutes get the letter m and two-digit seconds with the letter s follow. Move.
2h20
